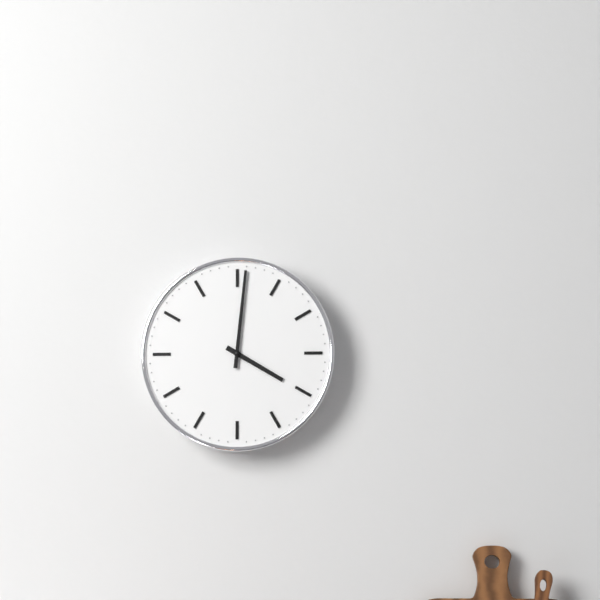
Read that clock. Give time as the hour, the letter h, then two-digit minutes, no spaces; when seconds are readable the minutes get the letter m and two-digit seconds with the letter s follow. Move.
4h01
